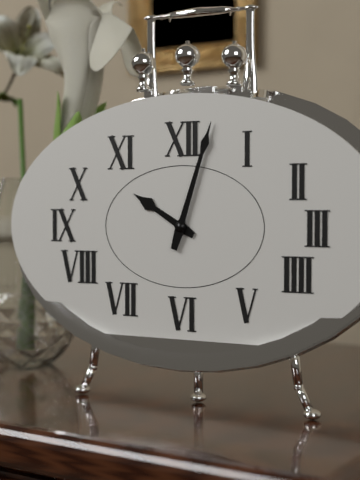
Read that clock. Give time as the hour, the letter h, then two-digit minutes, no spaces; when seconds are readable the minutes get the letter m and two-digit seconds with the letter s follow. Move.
10h03
